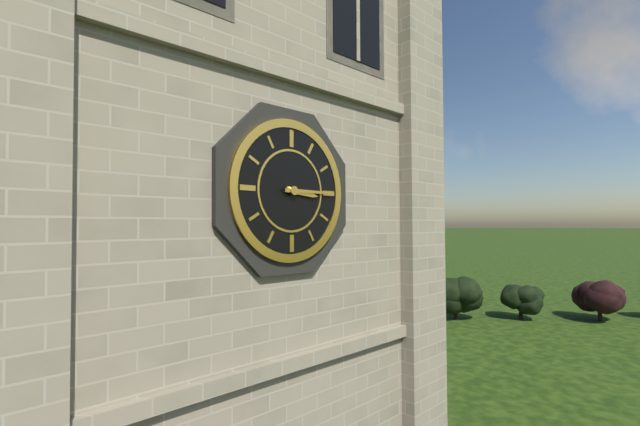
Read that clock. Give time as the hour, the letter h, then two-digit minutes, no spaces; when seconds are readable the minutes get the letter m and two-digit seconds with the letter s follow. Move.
3h15
